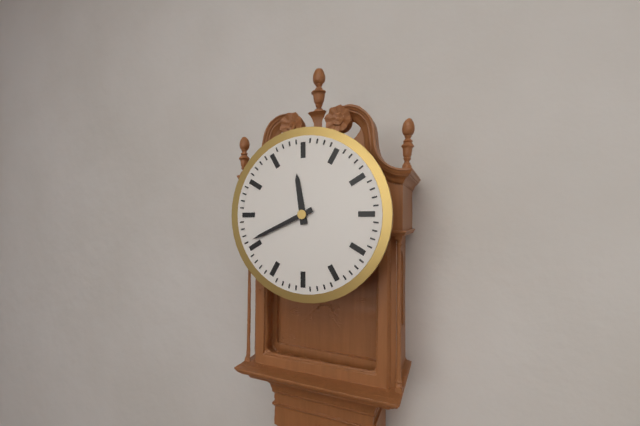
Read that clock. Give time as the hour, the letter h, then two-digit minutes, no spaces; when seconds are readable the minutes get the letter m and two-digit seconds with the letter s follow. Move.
11h41
